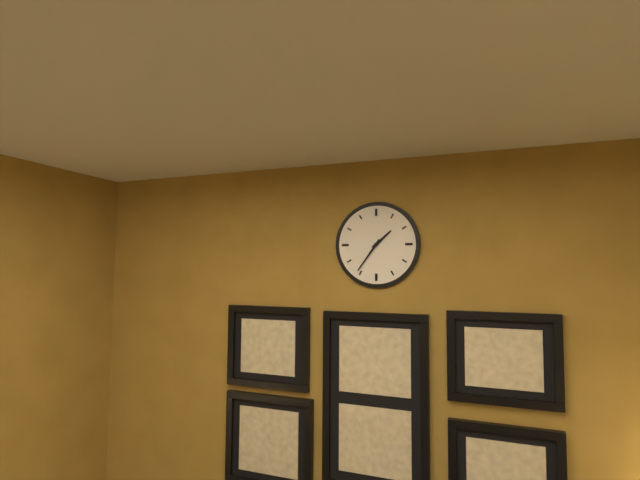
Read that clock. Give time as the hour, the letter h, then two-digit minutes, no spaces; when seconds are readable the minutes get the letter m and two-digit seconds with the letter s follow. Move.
1h36
